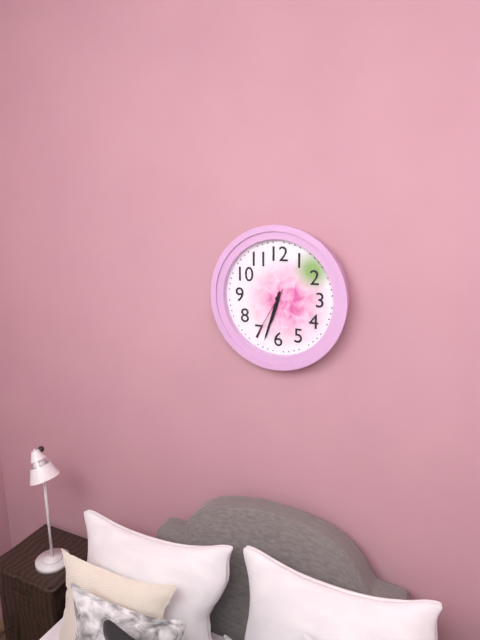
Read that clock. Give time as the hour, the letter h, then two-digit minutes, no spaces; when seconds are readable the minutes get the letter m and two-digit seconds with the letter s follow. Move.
6h33m35s
